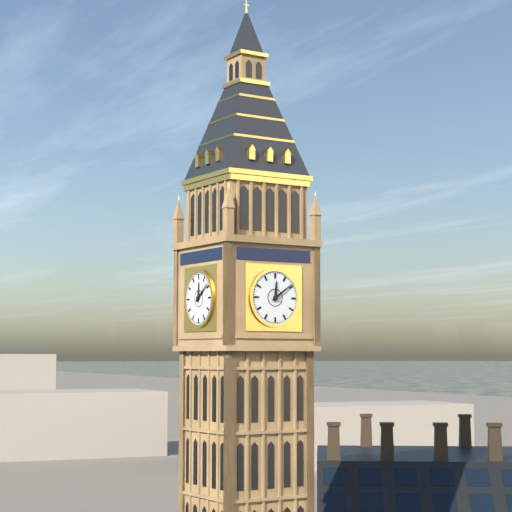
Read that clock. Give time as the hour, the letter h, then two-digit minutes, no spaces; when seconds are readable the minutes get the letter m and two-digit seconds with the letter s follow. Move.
12h09
